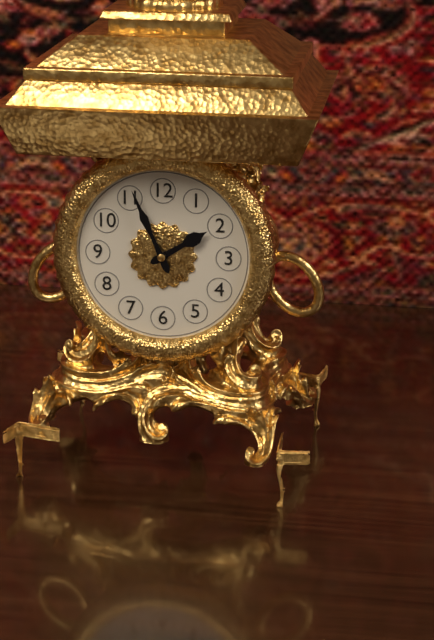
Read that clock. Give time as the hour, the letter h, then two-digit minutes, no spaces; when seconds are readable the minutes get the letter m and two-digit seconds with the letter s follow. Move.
1h56
